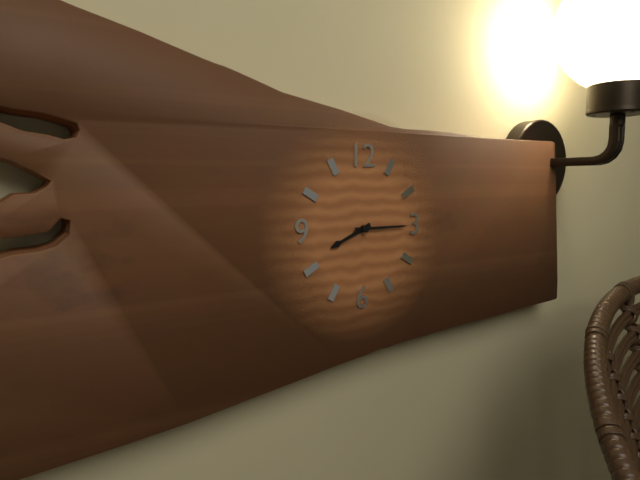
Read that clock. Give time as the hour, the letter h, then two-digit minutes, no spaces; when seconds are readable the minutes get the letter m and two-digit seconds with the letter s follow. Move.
8h15
